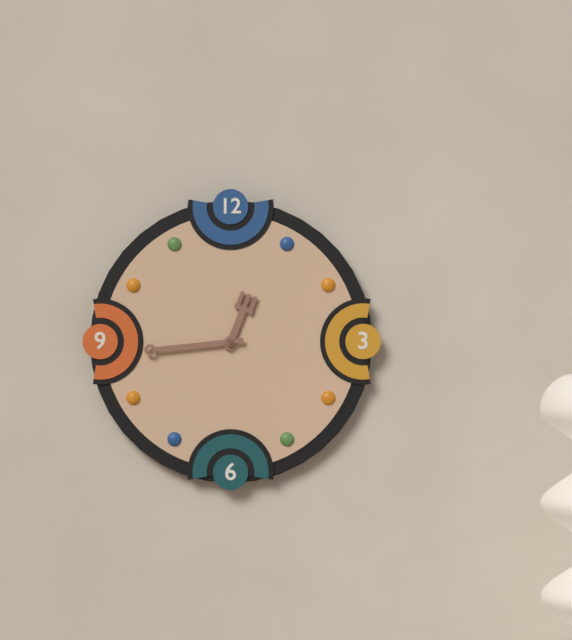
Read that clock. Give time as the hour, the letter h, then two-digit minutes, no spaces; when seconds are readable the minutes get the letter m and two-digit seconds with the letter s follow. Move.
12h44
